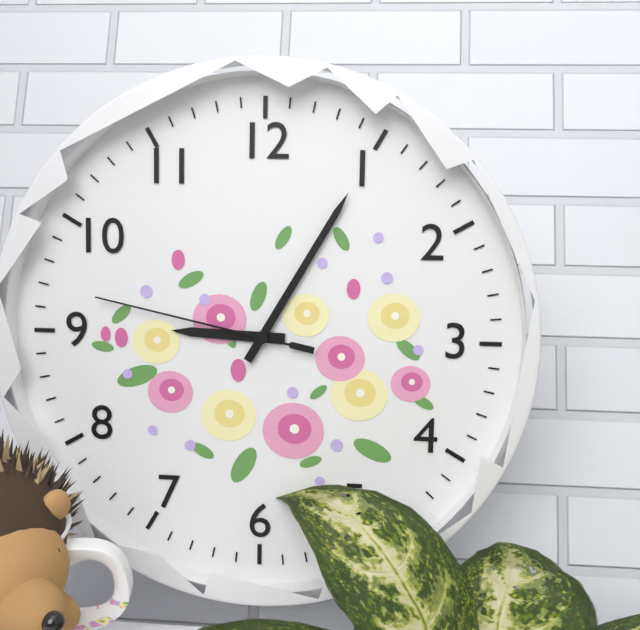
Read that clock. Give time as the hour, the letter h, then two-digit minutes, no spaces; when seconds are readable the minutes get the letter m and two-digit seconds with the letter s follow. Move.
9h05m47s
